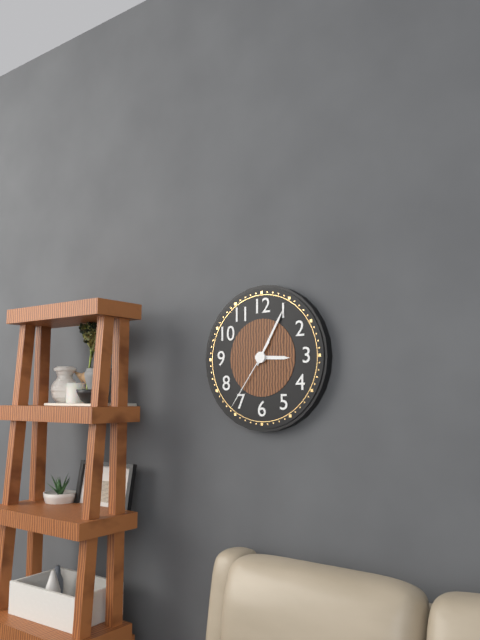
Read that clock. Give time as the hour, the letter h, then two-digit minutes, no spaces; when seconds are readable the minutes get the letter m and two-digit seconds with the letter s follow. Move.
3h05m36s
